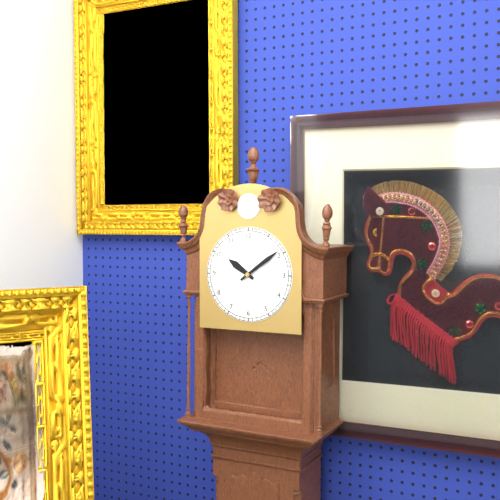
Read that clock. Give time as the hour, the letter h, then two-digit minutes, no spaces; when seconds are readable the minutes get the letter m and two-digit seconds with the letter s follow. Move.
10h09
